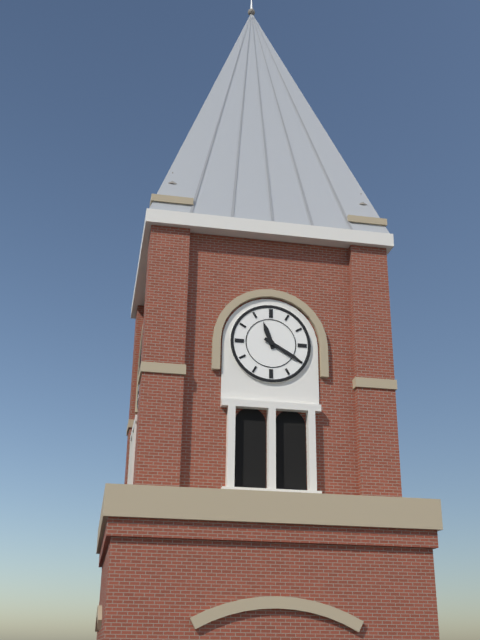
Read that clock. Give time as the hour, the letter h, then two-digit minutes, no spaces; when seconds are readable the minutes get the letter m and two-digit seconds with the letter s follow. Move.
11h20
